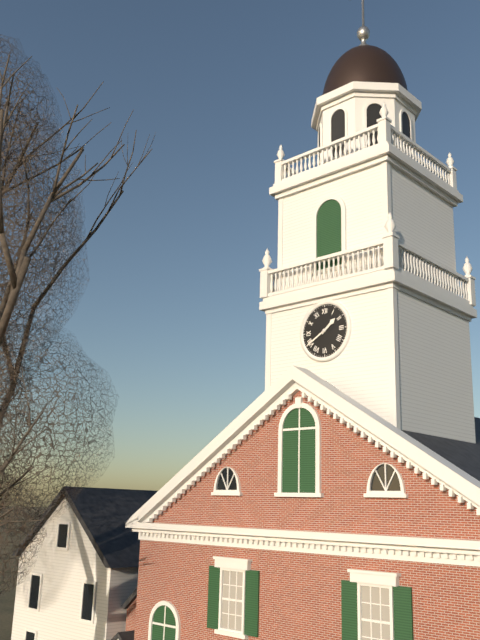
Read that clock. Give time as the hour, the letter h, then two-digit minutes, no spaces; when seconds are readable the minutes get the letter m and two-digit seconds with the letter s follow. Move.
1h40
